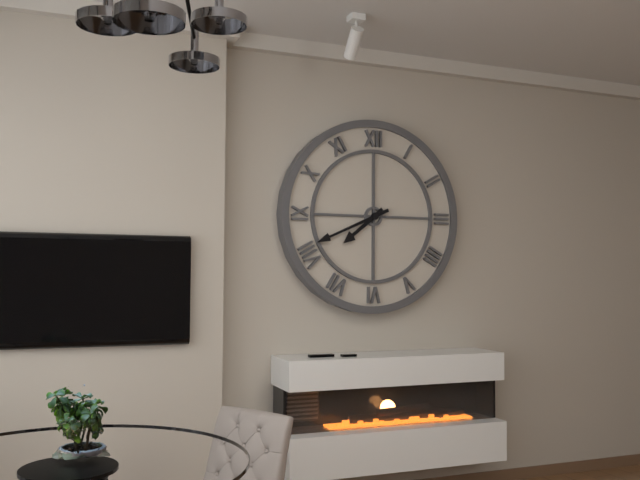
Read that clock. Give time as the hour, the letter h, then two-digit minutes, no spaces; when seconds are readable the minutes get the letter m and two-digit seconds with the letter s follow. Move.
7h41
